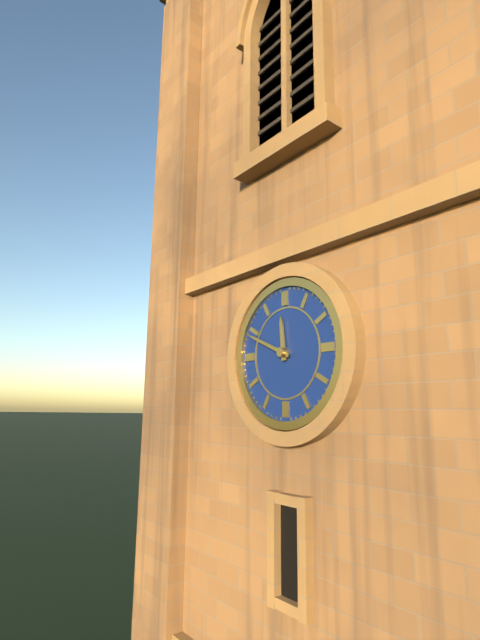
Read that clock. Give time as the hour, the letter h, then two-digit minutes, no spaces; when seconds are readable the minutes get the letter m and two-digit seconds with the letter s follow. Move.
11h49
